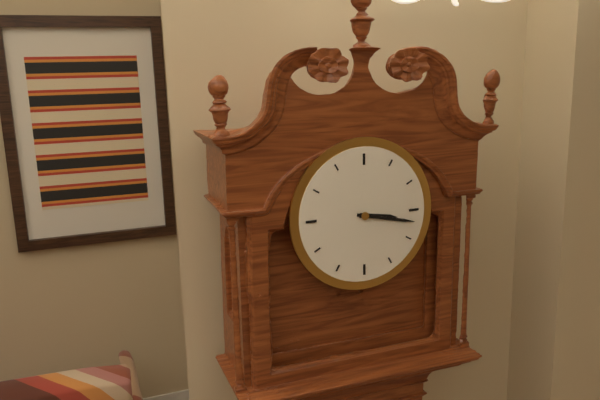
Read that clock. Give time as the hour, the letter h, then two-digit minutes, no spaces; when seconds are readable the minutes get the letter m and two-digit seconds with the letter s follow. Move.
3h17
